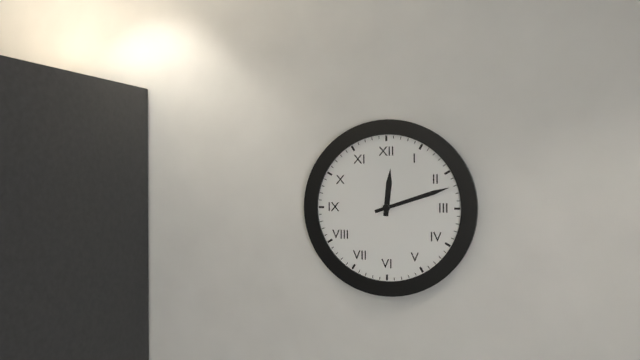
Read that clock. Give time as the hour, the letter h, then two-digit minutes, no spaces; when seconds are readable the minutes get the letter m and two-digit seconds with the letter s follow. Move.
12h12
